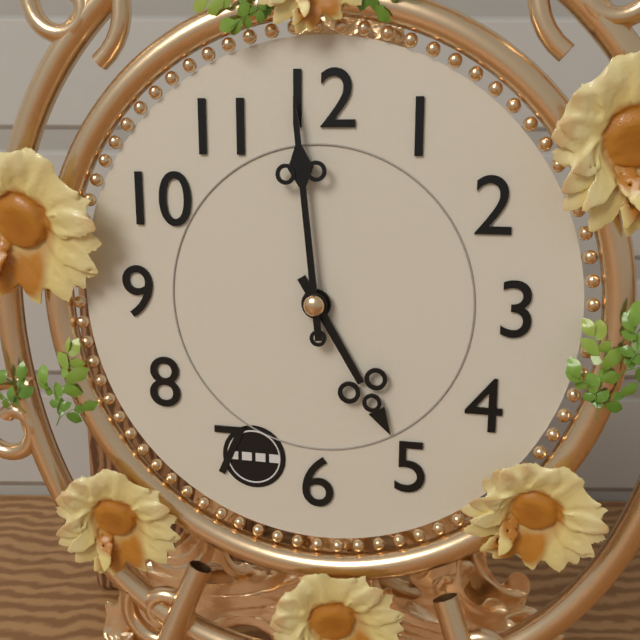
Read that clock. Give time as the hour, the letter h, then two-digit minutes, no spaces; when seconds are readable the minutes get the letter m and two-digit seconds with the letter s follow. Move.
4h59
